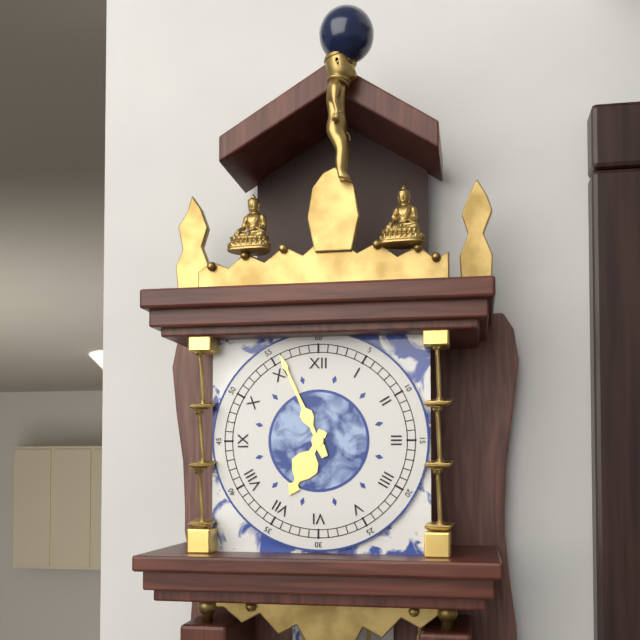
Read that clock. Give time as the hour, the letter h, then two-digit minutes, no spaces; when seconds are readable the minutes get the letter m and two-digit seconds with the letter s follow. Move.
6h56
